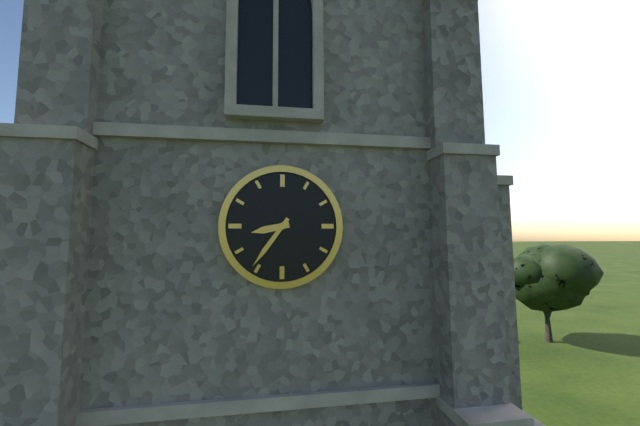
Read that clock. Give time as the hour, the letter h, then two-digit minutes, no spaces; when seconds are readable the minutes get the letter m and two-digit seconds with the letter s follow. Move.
8h36
